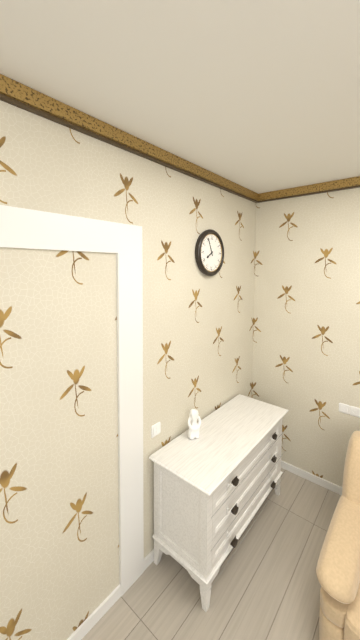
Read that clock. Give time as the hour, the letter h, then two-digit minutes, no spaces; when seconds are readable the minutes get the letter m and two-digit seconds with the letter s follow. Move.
7h56
